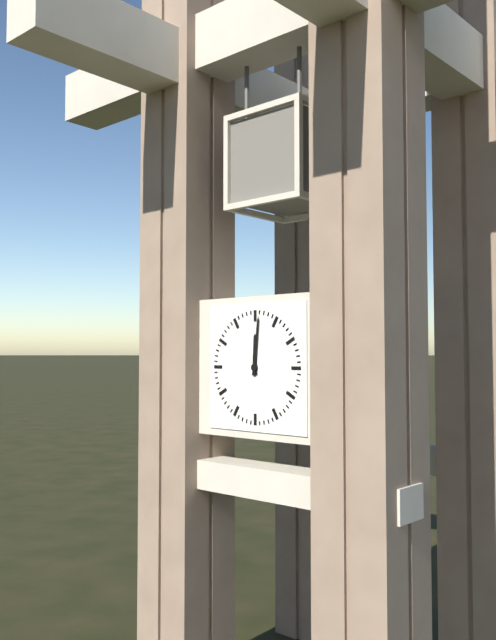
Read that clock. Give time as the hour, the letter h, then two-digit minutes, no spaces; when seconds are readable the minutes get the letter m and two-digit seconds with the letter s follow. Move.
12h01
